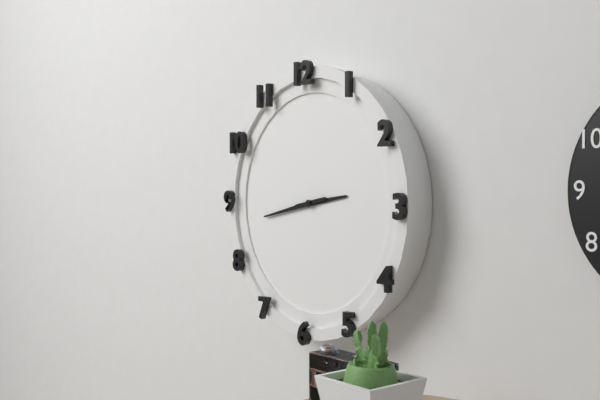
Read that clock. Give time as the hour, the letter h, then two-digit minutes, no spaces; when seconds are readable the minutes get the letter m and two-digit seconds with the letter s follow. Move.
2h43
